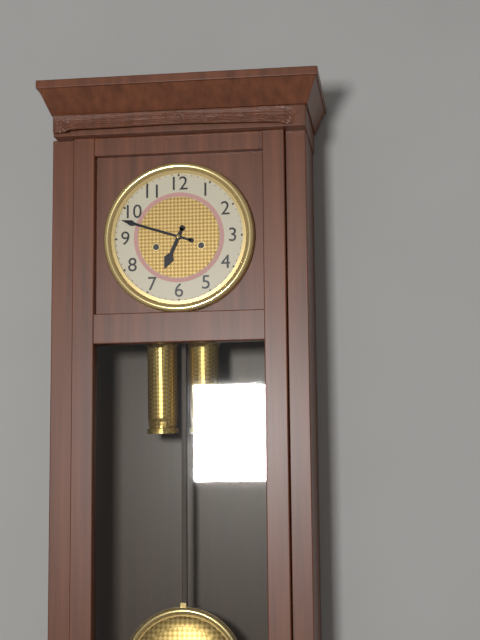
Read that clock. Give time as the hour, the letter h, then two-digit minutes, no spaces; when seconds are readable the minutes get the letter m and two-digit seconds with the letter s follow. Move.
6h48
